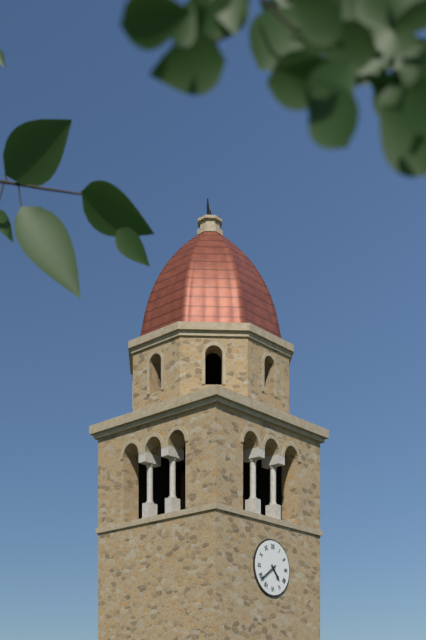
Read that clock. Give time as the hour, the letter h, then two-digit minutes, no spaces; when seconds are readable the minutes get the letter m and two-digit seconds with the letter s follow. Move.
4h39
